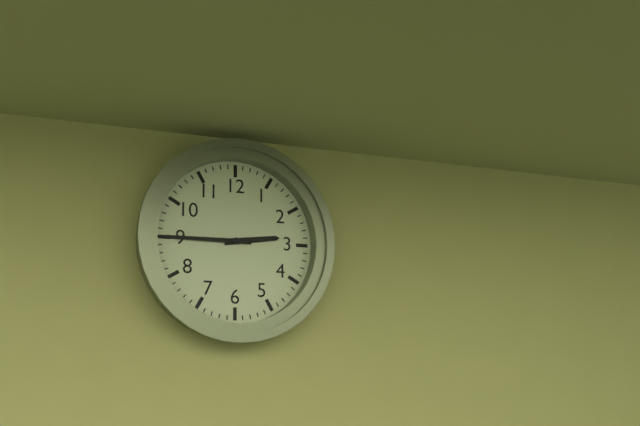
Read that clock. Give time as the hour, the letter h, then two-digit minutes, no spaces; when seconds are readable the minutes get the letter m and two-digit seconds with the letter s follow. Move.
2h45
